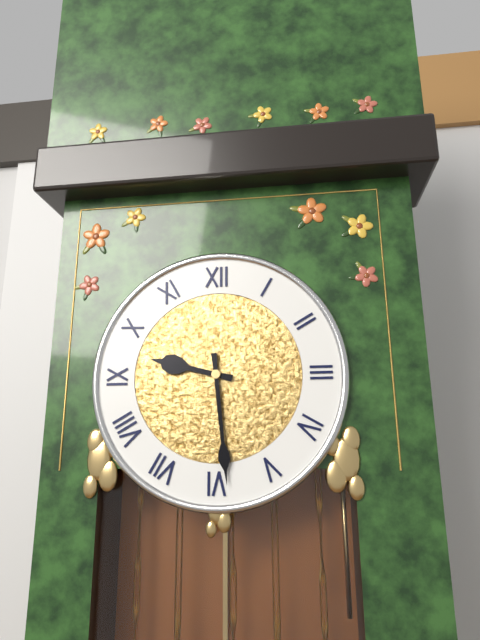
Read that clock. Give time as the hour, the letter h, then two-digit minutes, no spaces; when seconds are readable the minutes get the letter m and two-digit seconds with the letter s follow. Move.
9h29
